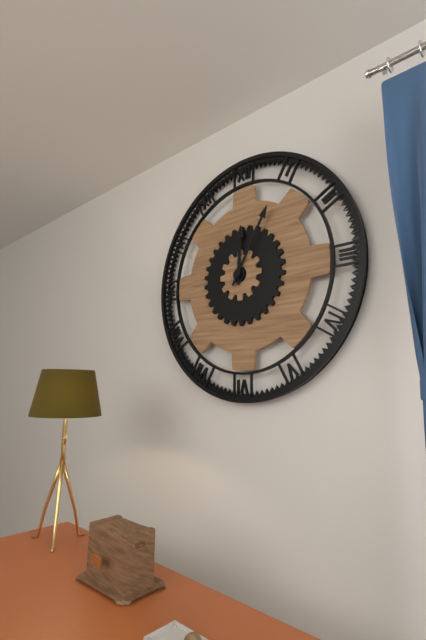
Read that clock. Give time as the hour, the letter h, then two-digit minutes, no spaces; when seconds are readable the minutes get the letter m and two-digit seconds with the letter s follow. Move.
12h05
